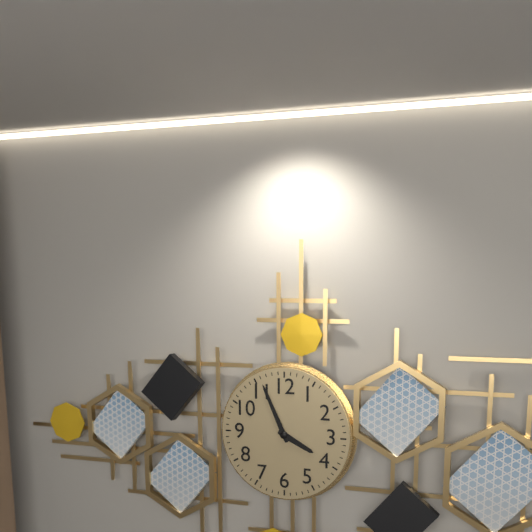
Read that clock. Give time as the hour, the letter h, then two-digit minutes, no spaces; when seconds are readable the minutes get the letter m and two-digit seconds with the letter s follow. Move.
3h56
